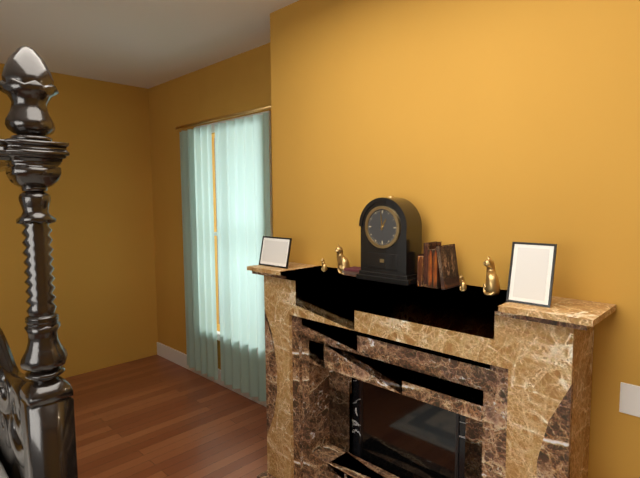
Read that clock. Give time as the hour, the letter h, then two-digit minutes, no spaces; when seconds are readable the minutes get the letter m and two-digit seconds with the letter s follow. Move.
12h59
